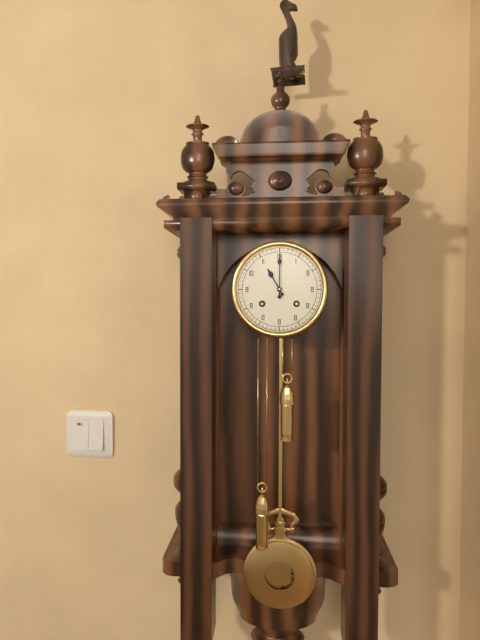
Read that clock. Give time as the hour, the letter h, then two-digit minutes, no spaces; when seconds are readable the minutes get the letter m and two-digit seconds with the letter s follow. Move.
11h00
